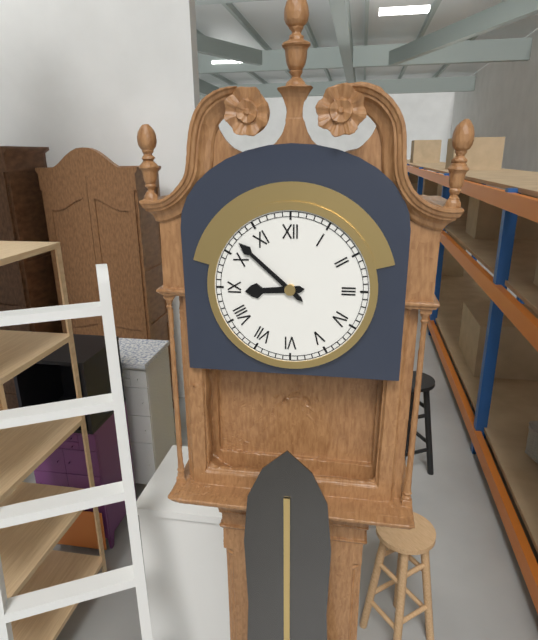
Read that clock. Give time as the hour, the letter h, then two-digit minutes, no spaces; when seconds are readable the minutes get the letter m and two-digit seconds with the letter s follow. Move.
8h52
